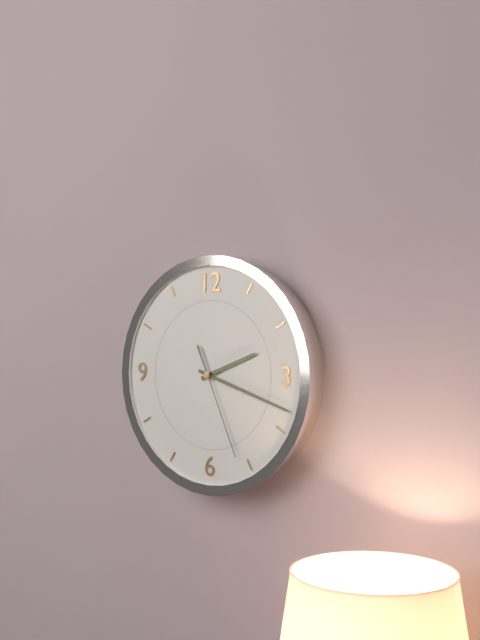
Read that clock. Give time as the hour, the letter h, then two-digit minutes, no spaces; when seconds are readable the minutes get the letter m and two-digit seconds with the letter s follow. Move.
2h18m26s
